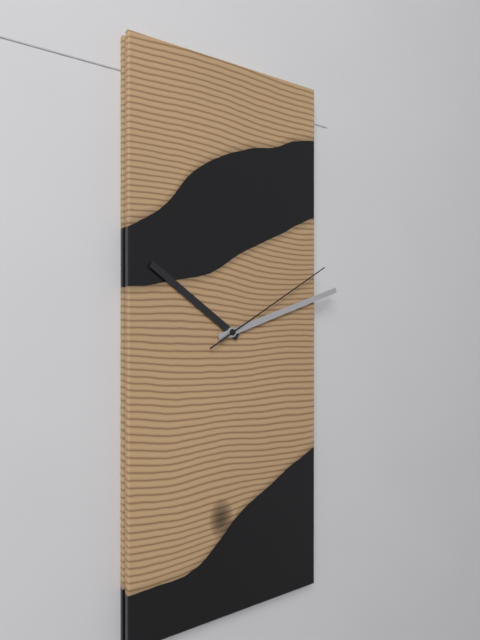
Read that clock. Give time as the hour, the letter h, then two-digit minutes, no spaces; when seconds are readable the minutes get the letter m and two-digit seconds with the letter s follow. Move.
10h12m10s
